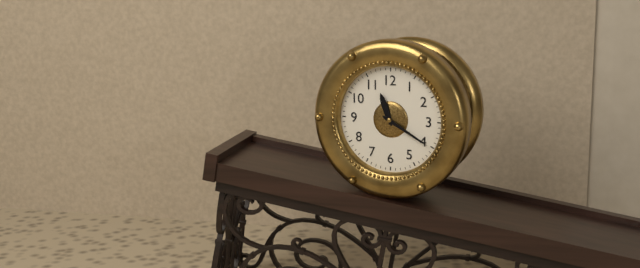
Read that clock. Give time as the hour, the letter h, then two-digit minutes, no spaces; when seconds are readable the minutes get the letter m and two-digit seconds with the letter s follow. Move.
11h20
